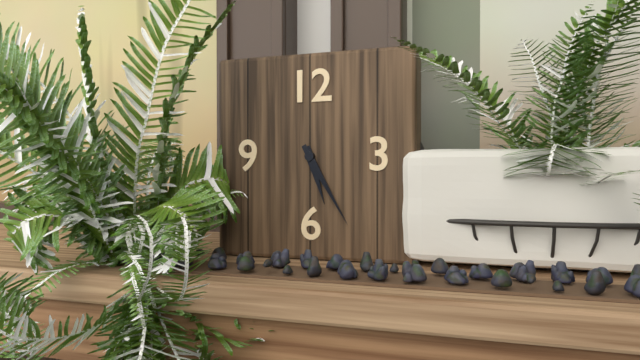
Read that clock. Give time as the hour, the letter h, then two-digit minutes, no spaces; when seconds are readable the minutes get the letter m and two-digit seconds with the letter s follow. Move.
5h25
